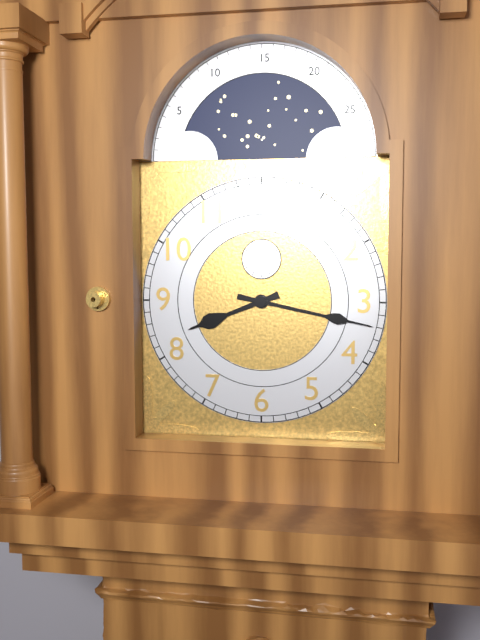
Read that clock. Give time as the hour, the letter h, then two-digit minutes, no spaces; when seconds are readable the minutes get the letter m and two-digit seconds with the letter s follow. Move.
8h17
